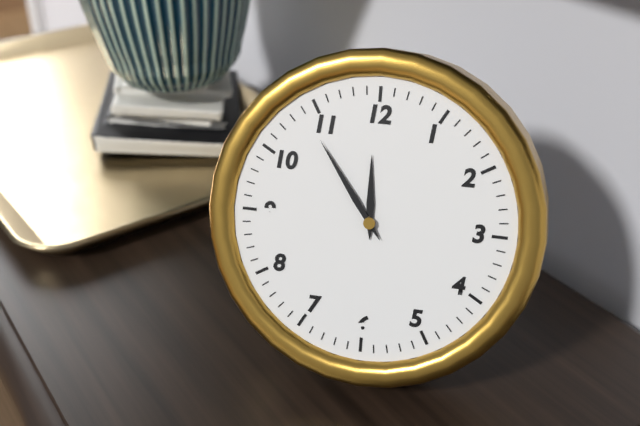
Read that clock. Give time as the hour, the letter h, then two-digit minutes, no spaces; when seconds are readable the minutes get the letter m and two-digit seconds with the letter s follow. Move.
11h54
